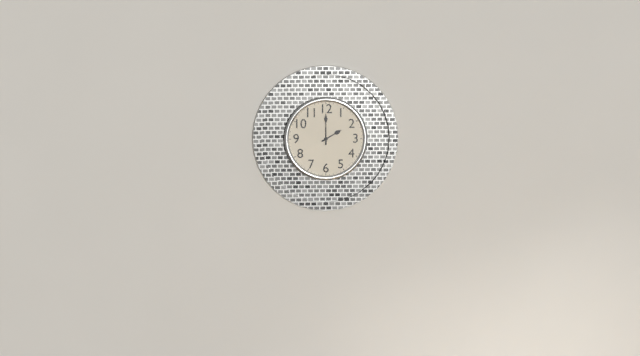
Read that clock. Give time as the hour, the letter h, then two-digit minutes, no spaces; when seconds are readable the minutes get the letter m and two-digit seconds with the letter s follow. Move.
2h00
